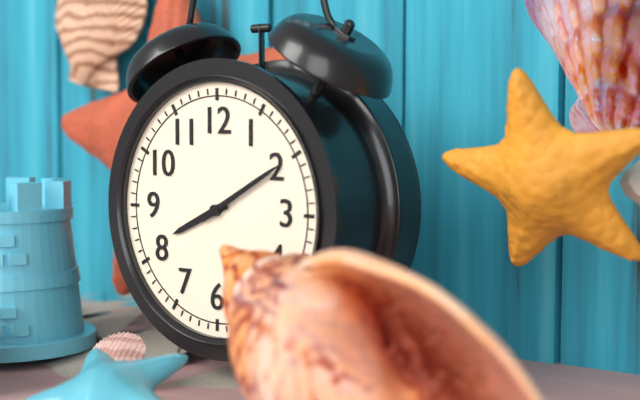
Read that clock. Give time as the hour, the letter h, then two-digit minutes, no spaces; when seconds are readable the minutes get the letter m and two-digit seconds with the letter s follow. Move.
8h10
